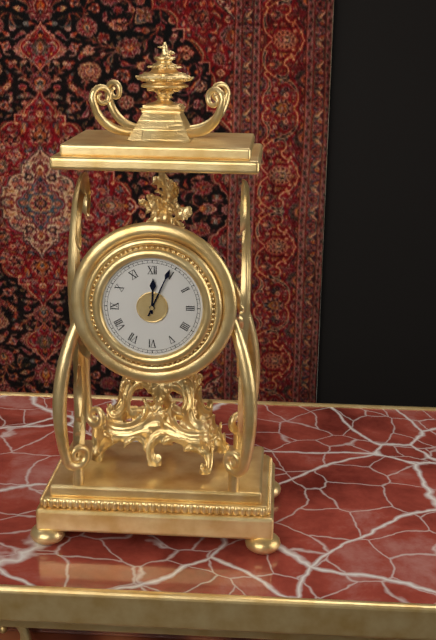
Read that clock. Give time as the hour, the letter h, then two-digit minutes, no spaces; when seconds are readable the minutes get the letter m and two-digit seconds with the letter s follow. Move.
12h04
